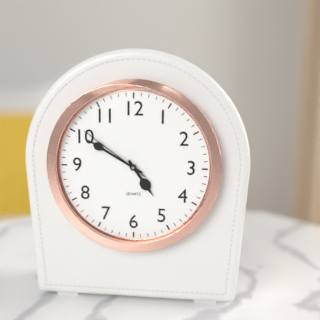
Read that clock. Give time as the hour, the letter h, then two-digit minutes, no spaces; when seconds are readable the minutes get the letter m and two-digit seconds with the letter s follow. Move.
4h50m51s
